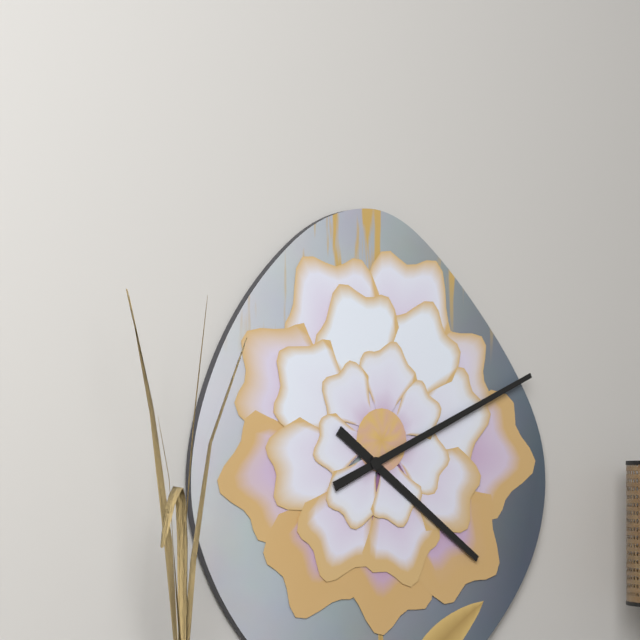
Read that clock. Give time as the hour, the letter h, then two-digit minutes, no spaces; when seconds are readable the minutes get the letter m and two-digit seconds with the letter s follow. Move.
4h11
